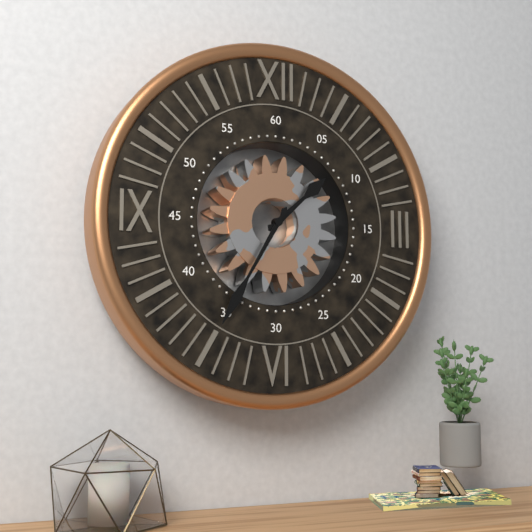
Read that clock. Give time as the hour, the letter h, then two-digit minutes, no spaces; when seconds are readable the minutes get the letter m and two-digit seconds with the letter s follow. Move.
1h35
